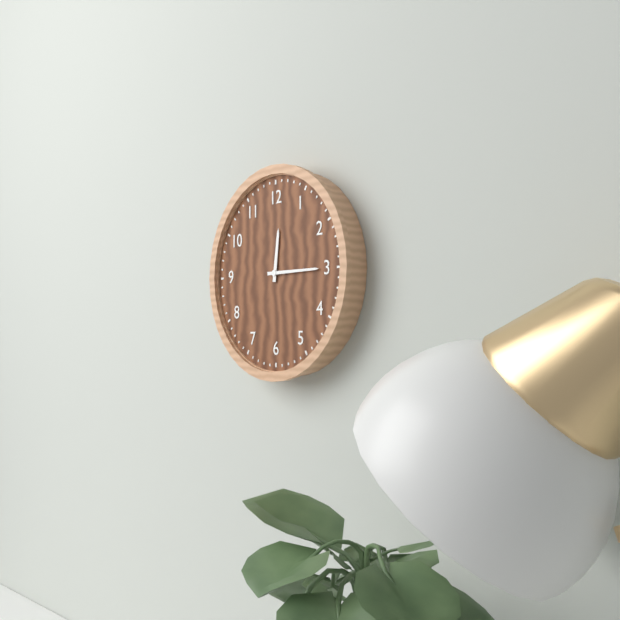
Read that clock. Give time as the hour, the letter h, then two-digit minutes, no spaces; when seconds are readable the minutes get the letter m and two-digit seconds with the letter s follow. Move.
12h15
